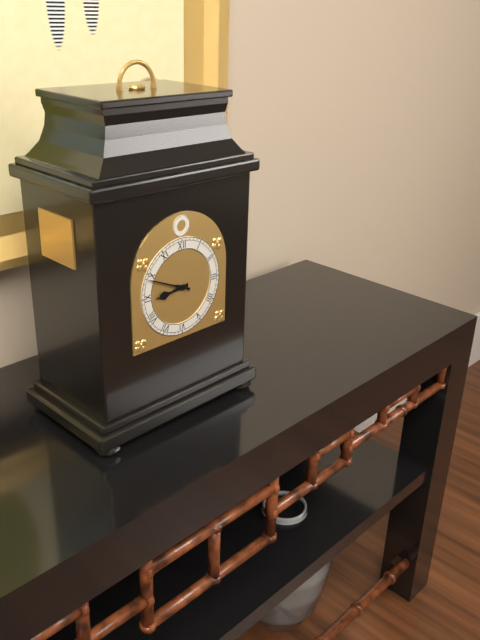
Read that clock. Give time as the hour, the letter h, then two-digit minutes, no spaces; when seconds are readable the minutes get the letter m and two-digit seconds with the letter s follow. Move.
8h49
